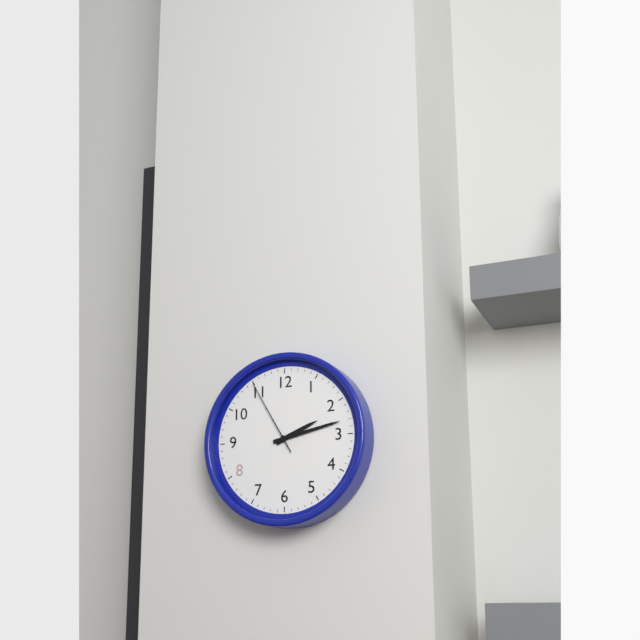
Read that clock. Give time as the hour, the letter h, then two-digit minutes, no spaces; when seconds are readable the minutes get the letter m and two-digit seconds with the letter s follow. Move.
2h13m55s
